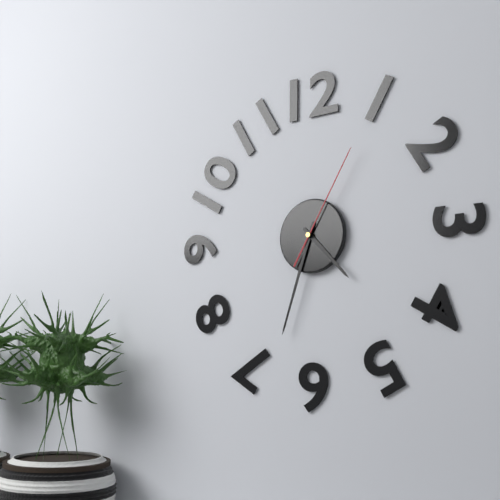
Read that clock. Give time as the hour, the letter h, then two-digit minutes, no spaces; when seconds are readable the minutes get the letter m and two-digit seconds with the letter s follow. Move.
4h33m05s
